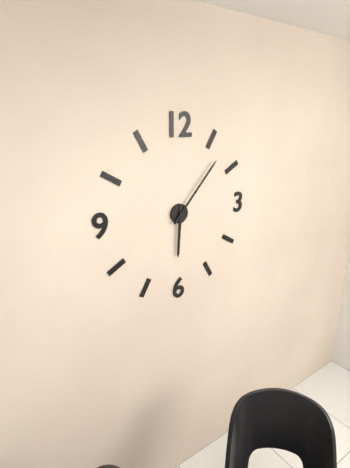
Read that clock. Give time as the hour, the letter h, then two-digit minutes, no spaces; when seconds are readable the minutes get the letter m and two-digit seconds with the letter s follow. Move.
6h07
